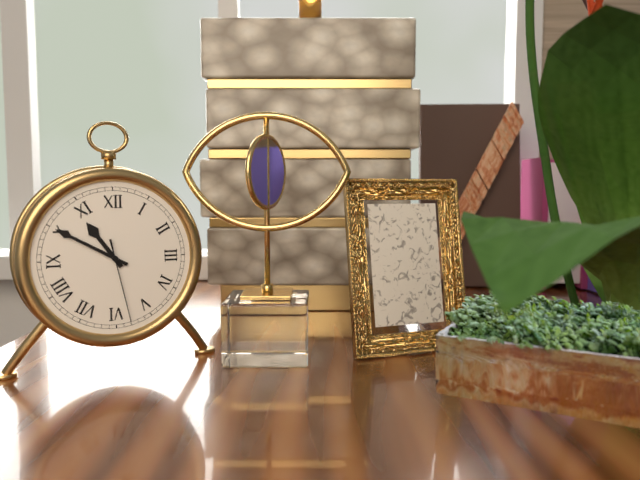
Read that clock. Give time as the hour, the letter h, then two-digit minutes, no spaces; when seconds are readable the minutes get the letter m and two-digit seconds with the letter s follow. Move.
10h50m28s
